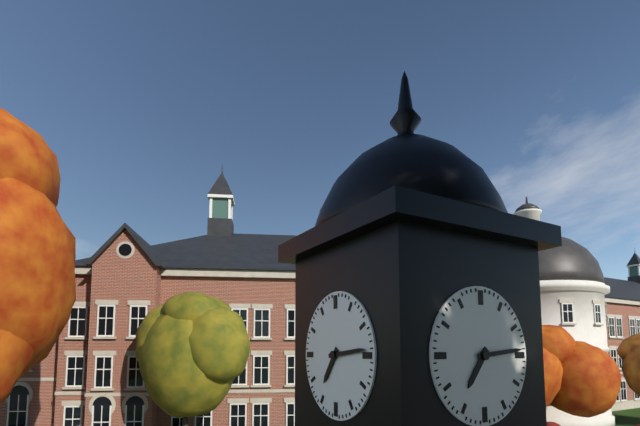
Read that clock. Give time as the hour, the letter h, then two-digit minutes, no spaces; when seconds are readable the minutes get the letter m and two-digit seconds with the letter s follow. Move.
7h14
